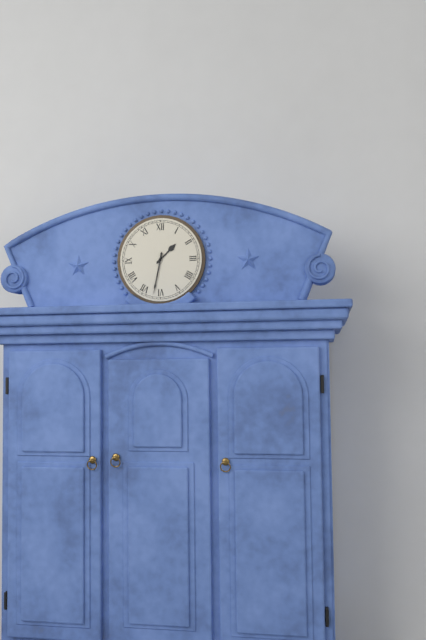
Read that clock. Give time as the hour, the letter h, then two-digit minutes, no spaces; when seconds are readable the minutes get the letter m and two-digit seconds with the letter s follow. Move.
1h32
